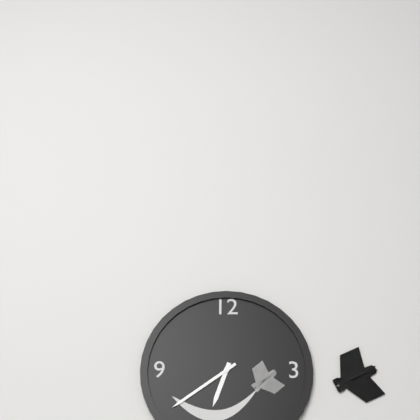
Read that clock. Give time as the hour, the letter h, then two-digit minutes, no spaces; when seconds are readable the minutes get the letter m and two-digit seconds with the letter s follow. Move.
6h39
